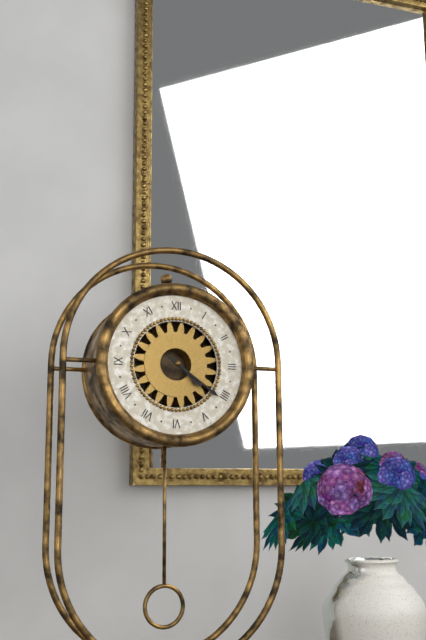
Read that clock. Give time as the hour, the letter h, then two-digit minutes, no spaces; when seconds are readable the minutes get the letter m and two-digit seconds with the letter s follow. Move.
4h21
